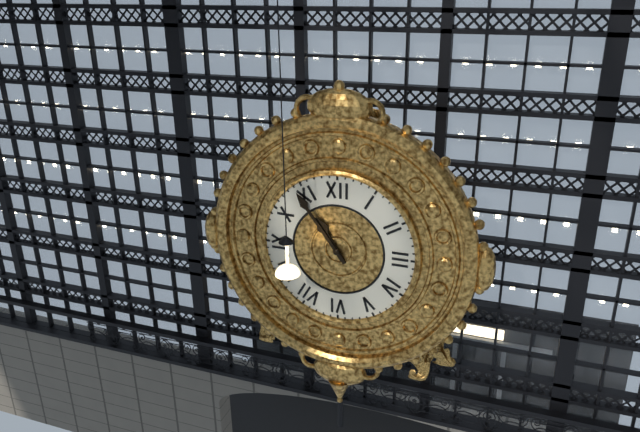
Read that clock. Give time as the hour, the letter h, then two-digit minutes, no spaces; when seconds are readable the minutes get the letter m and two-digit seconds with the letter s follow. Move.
10h54
